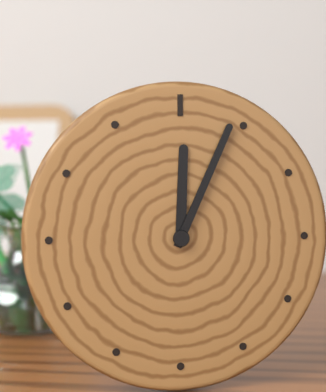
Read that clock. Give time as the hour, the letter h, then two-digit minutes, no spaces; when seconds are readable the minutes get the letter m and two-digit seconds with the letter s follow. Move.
12h04
